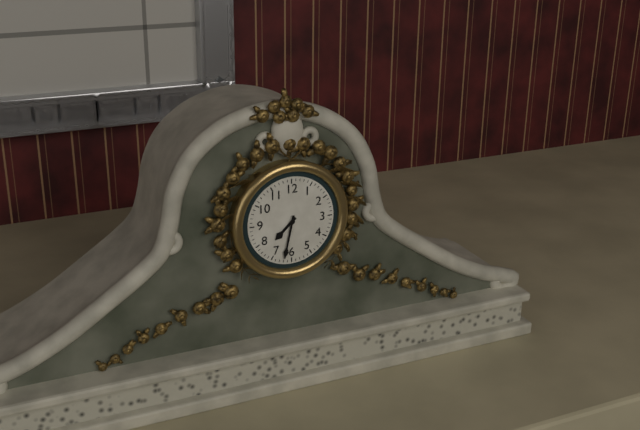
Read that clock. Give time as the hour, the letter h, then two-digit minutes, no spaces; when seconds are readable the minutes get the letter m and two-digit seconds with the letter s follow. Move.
7h32
